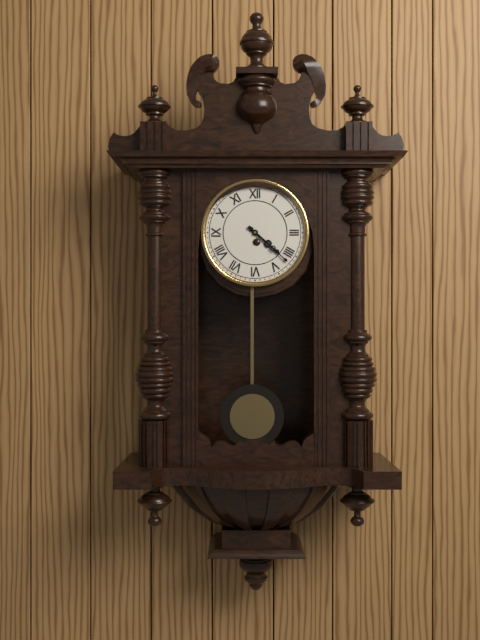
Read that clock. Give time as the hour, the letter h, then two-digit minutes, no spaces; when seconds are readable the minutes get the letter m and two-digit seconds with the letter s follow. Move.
4h22
